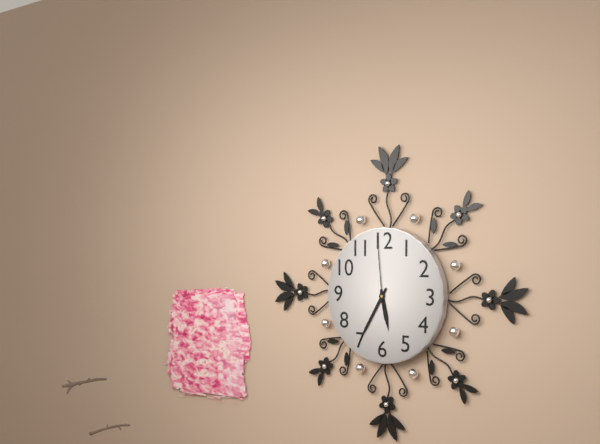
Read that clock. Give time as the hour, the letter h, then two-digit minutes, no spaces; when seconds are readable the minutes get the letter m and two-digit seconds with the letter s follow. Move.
5h35m59s
